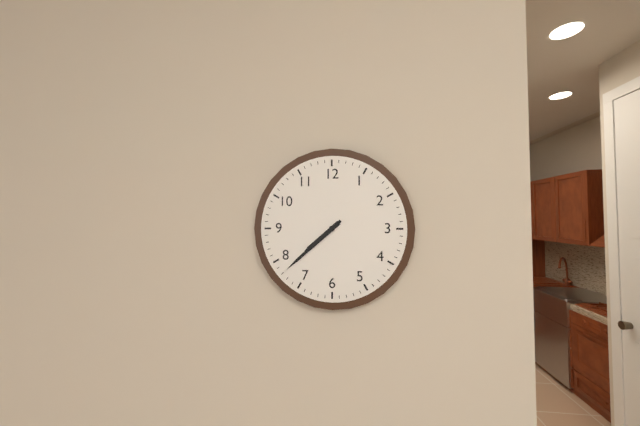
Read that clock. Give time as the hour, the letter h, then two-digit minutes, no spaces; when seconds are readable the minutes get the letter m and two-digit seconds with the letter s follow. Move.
7h38
